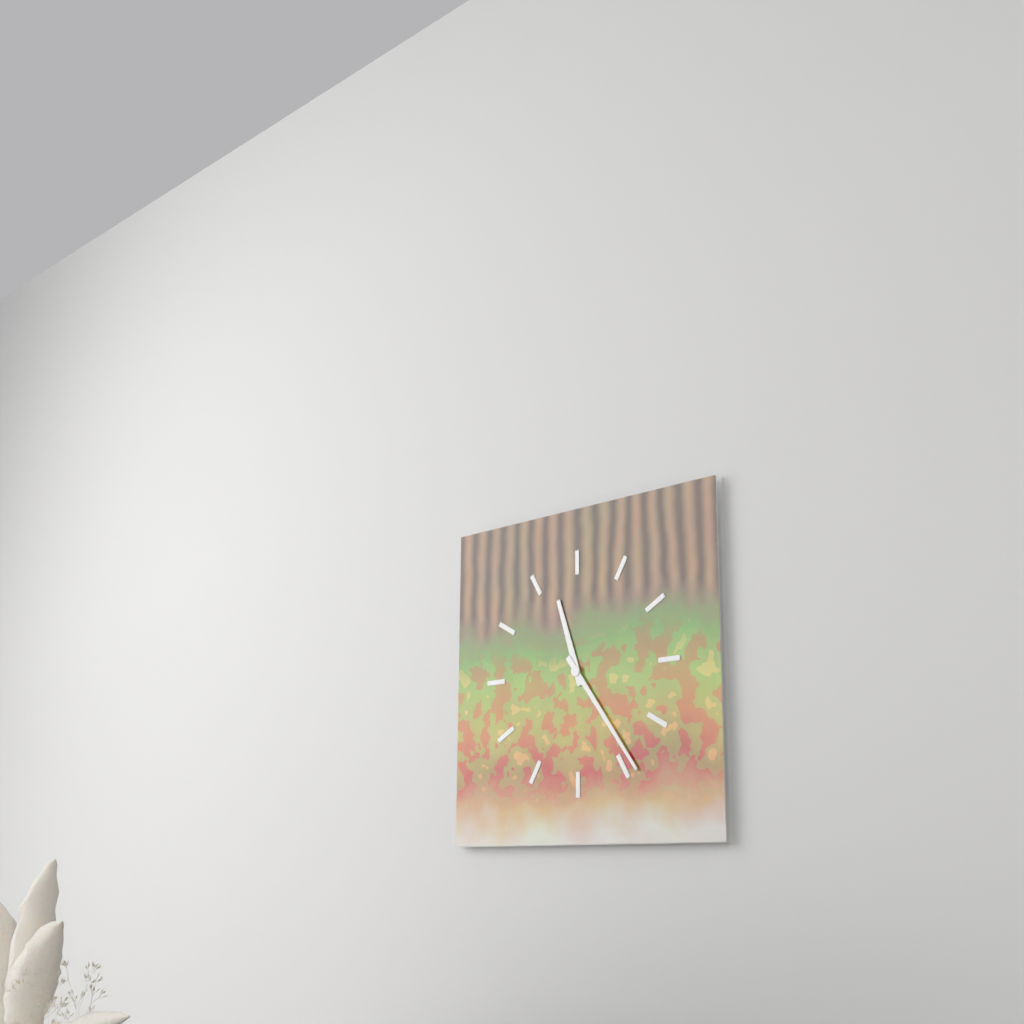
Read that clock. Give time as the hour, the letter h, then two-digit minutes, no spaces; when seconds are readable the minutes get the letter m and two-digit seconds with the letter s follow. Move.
11h24
